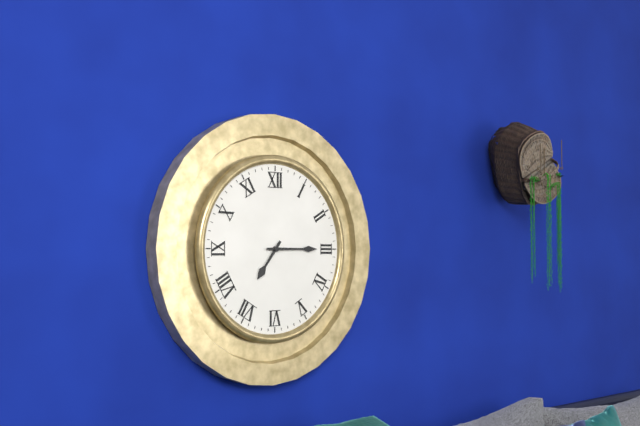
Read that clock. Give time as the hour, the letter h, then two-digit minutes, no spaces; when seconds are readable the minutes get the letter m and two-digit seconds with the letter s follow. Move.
7h15
